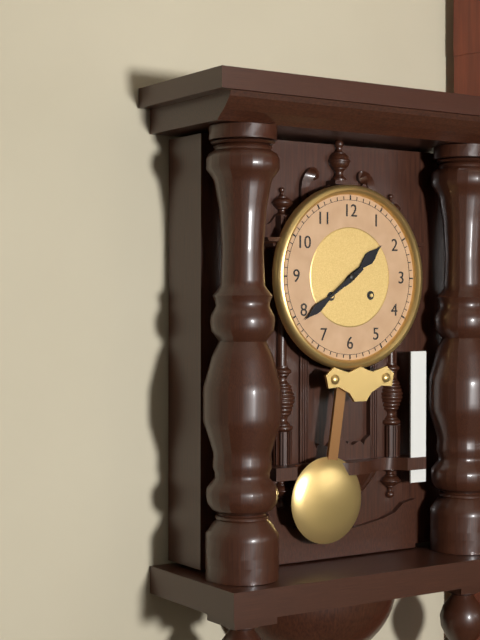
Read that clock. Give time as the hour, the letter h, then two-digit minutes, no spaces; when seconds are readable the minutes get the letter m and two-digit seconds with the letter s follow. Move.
1h39
